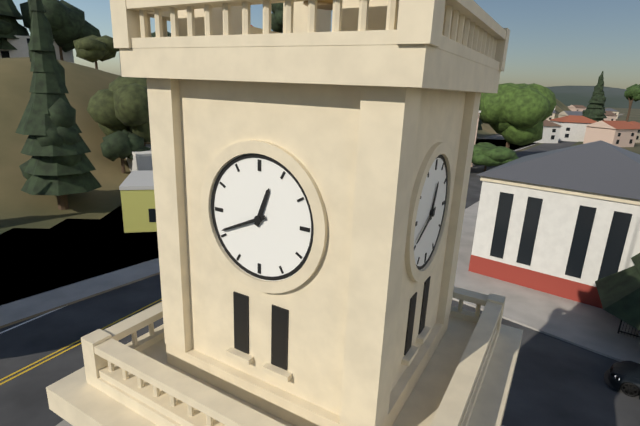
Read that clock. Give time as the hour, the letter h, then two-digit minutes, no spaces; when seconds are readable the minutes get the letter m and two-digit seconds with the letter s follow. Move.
12h41
